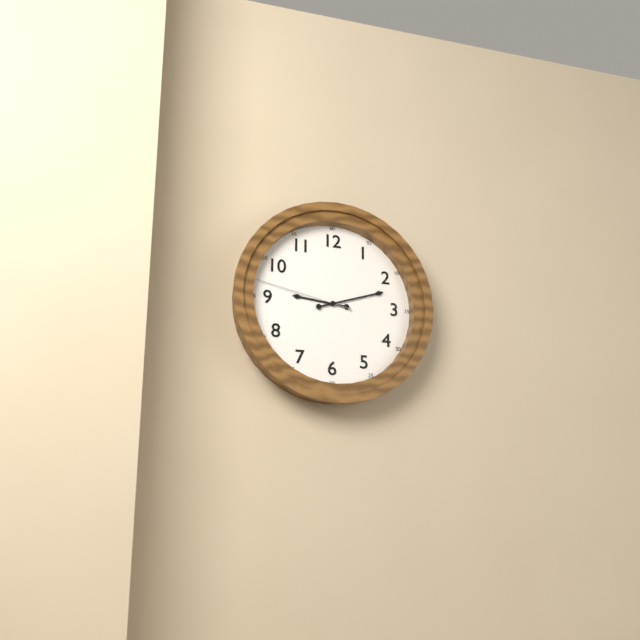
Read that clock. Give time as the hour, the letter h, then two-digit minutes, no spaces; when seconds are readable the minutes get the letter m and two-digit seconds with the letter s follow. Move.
9h12m47s
